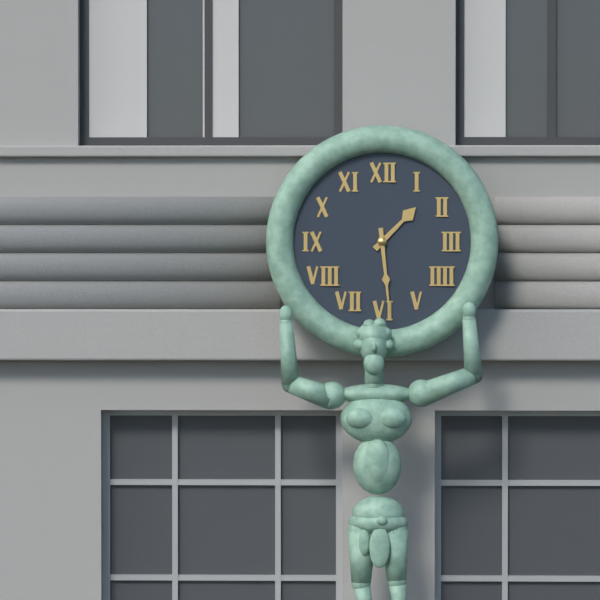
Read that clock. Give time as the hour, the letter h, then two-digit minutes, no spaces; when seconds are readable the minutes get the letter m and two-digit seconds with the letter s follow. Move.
1h29
